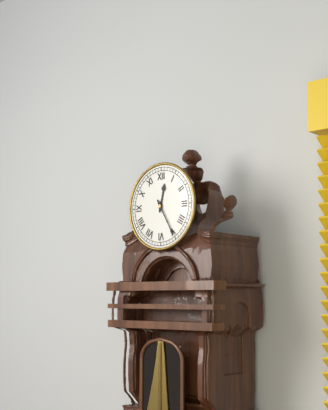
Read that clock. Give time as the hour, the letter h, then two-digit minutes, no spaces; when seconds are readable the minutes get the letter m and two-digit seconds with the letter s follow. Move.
12h25
